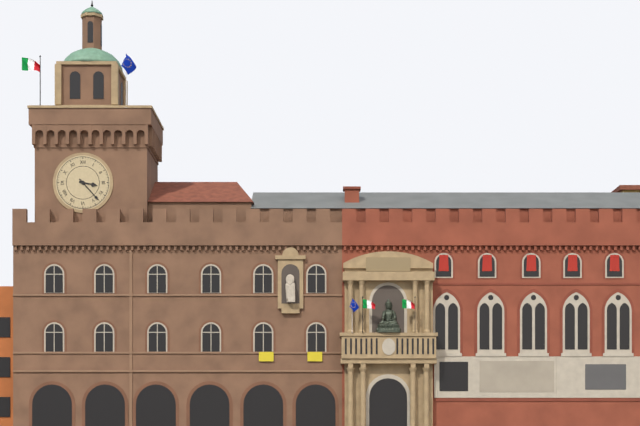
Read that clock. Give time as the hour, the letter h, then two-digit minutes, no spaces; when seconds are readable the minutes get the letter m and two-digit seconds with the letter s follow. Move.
3h23
